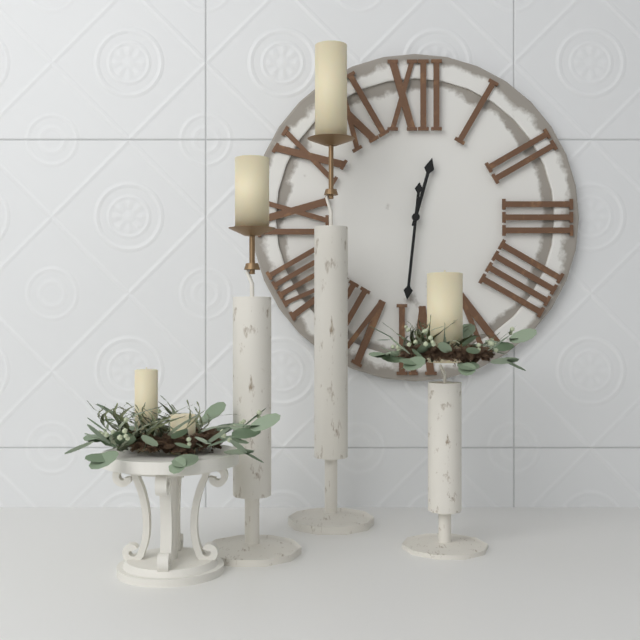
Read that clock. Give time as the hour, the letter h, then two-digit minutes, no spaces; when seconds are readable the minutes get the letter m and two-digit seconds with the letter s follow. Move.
12h31
